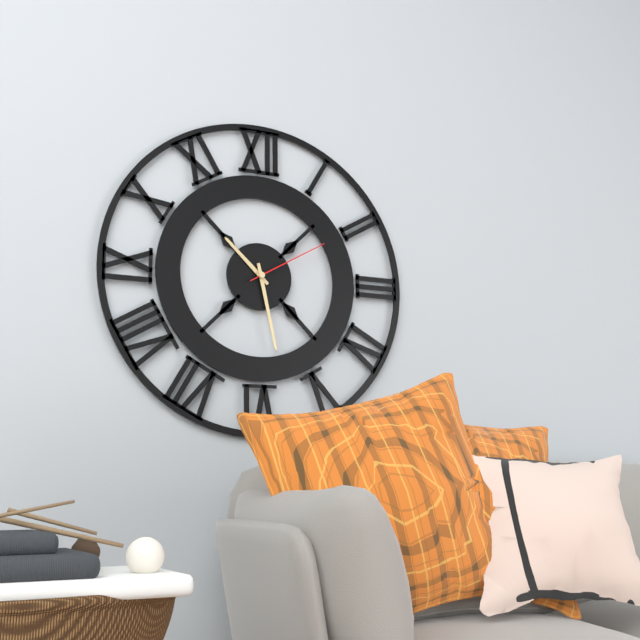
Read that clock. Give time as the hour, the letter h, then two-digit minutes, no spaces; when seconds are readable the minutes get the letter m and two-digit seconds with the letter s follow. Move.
10h28m10s
